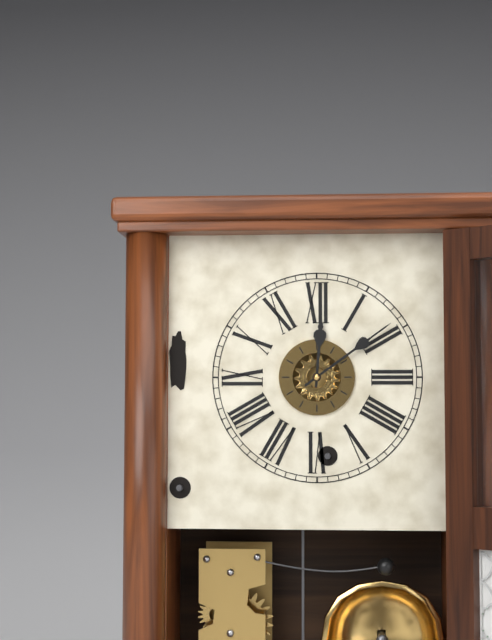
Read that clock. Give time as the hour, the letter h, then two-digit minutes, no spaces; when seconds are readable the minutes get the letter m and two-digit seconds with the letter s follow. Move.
12h09
